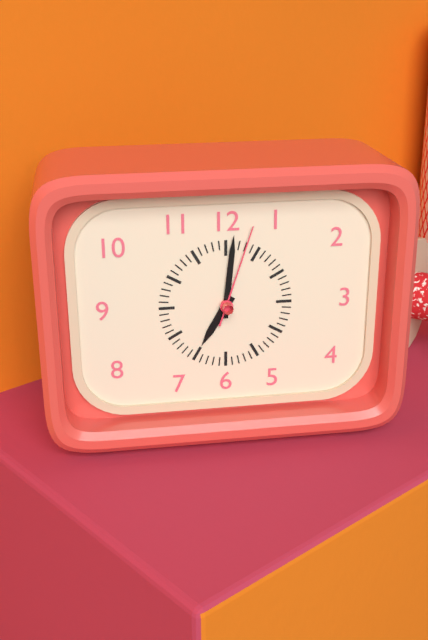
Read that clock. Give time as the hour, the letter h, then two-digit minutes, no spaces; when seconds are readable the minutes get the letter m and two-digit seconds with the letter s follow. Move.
7h01m03s
